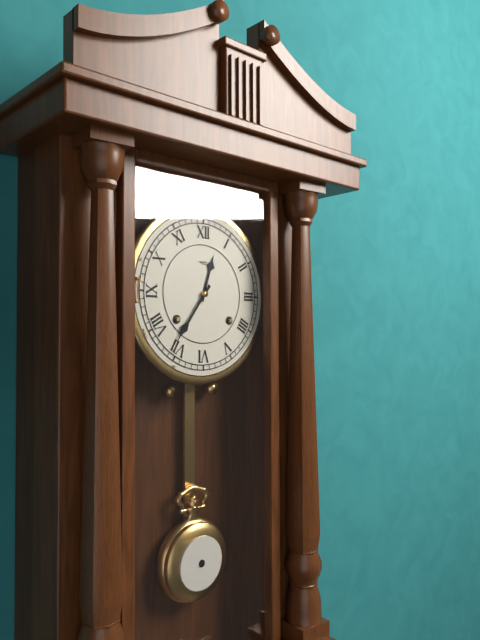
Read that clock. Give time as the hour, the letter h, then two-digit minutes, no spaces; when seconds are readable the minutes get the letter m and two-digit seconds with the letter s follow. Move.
12h36
